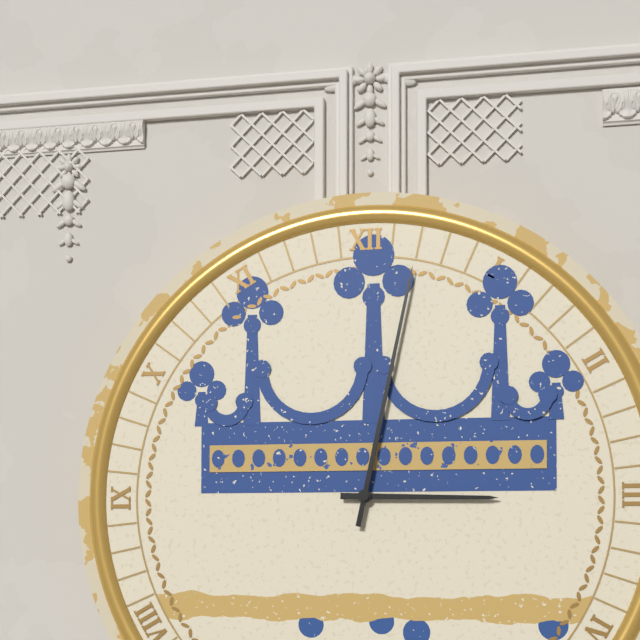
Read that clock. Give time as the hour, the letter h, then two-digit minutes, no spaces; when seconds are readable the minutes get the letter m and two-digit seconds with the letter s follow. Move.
3h02
